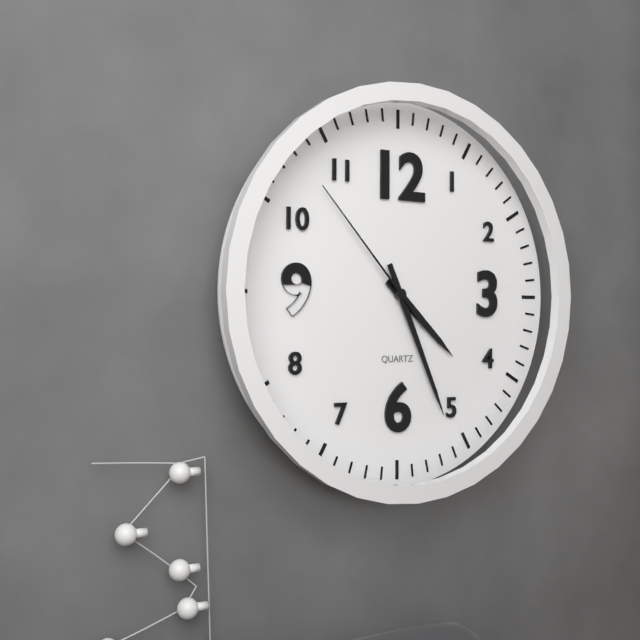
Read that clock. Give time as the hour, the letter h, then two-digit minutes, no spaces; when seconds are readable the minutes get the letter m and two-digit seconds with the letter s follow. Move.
4h26m53s
